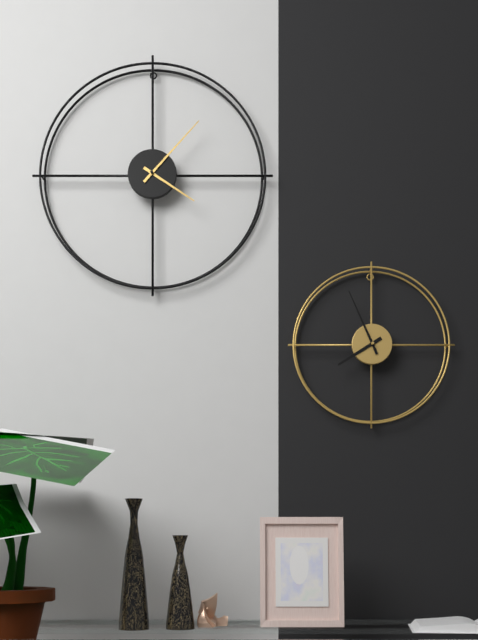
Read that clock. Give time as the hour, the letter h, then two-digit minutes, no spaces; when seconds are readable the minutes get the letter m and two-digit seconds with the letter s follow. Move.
4h07
